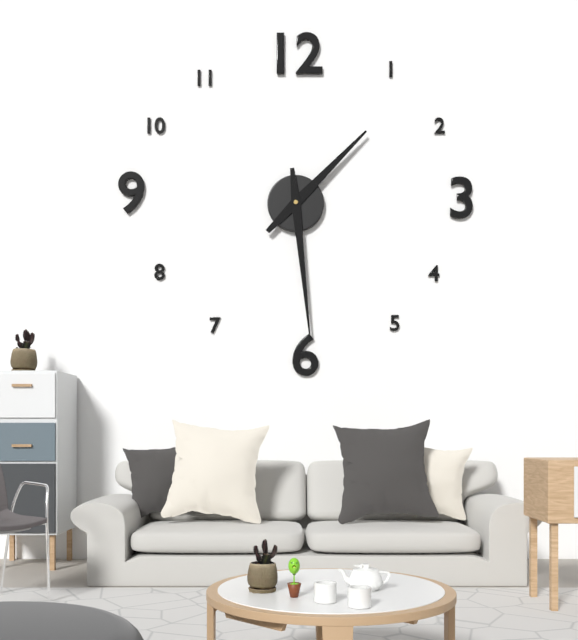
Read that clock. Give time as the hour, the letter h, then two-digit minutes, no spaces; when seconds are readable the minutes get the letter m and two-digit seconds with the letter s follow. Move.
1h29
